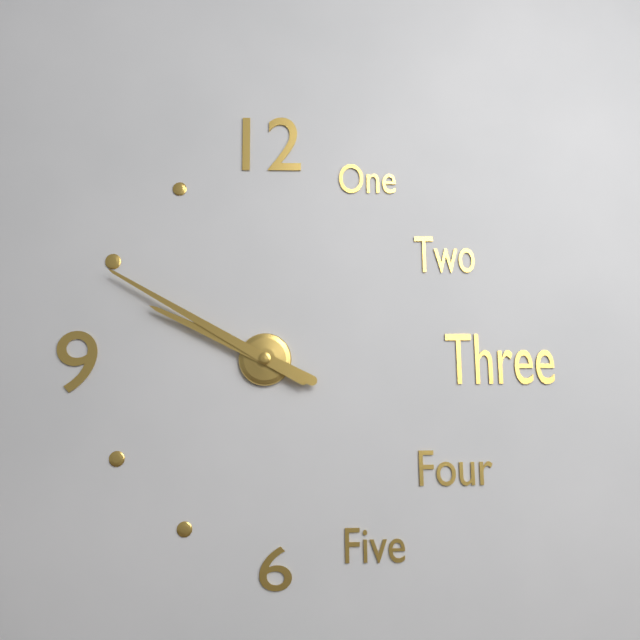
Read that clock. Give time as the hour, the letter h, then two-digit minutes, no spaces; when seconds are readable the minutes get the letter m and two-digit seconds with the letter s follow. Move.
9h50
